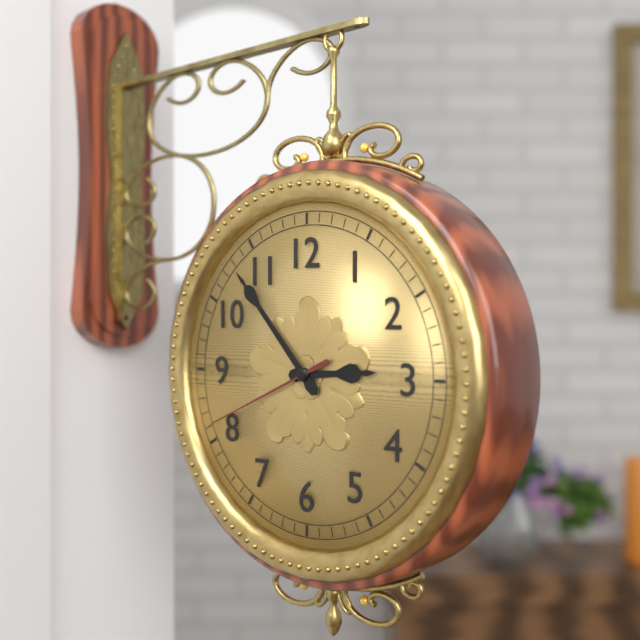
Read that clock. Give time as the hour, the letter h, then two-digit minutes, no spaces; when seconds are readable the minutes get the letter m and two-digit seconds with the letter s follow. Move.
2h53m41s
